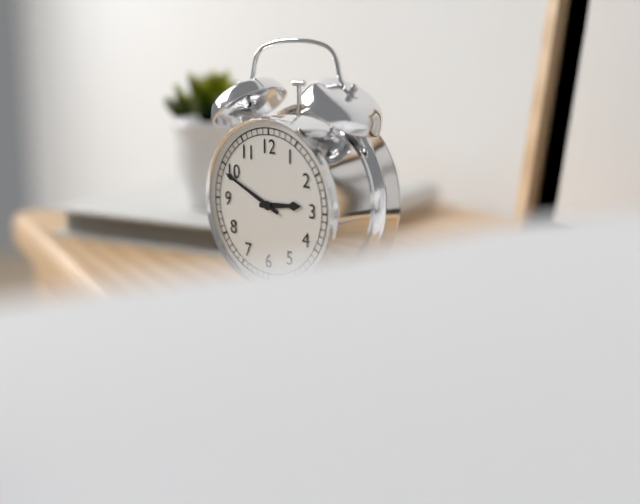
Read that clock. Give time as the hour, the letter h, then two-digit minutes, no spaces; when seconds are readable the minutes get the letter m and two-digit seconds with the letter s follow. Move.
2h49
